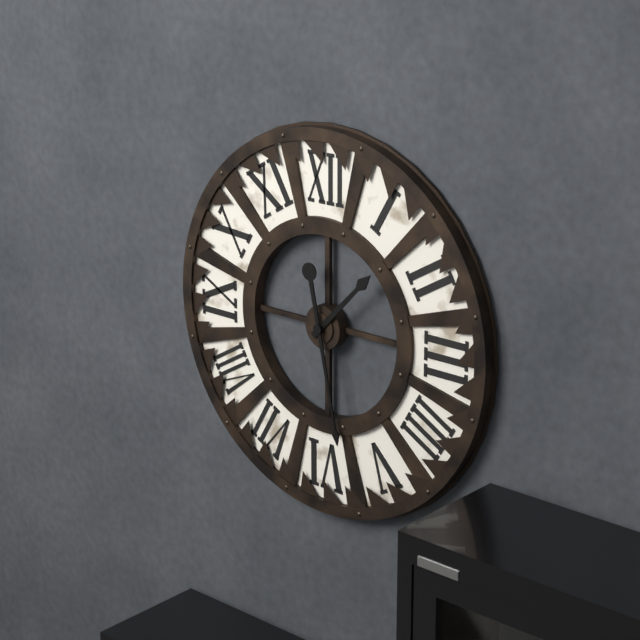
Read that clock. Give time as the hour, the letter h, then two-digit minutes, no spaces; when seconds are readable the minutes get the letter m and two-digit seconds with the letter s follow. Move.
1h28
